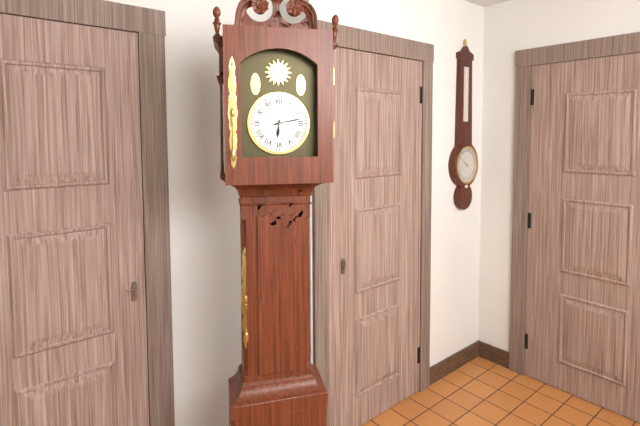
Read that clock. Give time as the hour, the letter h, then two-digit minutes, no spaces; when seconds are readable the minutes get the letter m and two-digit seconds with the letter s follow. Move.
6h13
